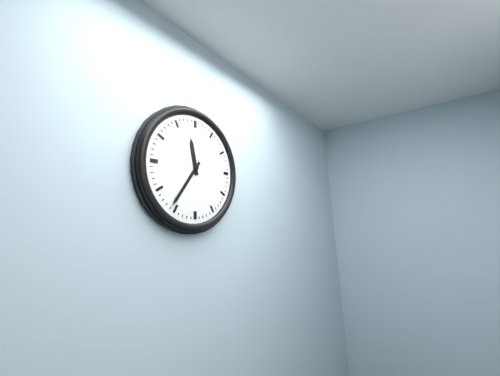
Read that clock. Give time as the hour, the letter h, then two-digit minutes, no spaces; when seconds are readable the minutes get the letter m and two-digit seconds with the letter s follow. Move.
11h36
